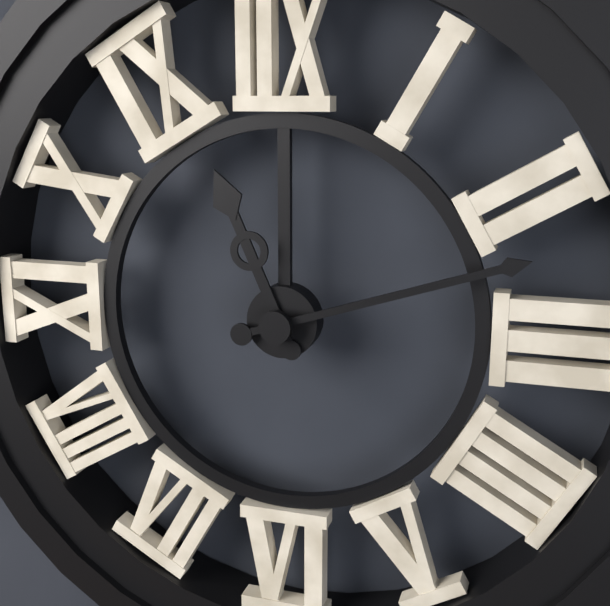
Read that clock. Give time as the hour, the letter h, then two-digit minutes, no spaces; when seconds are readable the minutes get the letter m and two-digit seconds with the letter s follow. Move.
11h12
